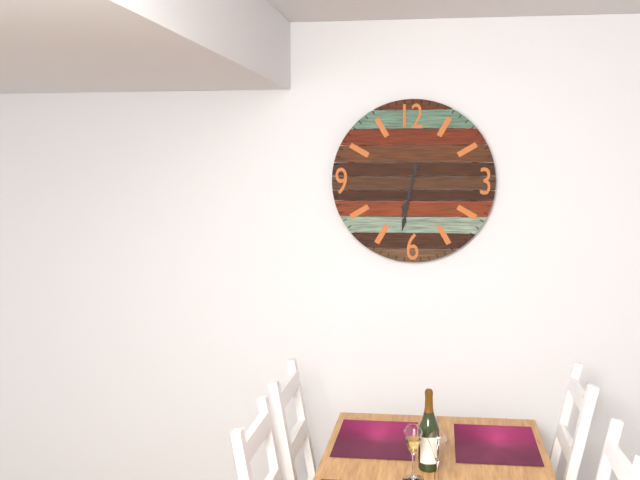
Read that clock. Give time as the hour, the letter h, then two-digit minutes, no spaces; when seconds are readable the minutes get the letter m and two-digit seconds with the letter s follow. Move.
6h32
